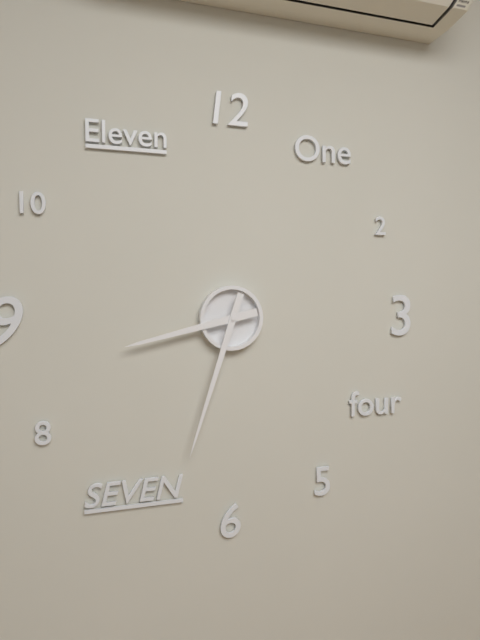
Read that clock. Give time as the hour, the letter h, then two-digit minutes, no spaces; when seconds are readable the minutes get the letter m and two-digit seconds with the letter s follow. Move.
8h33
